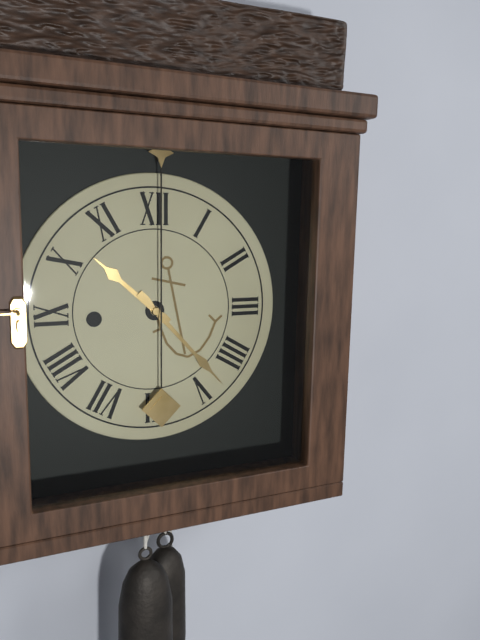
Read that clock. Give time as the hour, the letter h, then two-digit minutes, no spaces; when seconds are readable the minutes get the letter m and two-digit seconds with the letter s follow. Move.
10h23
